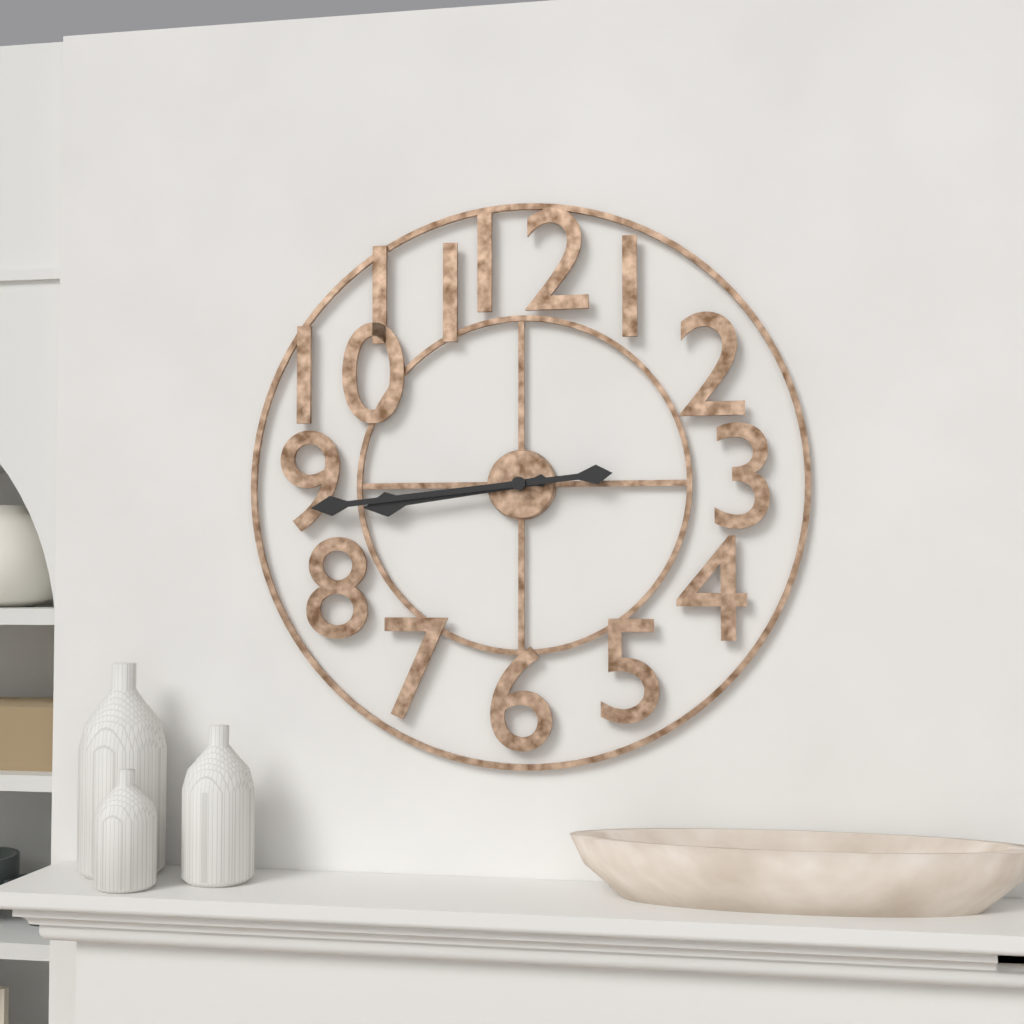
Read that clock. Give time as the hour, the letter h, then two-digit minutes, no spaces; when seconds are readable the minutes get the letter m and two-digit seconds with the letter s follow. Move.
8h44
